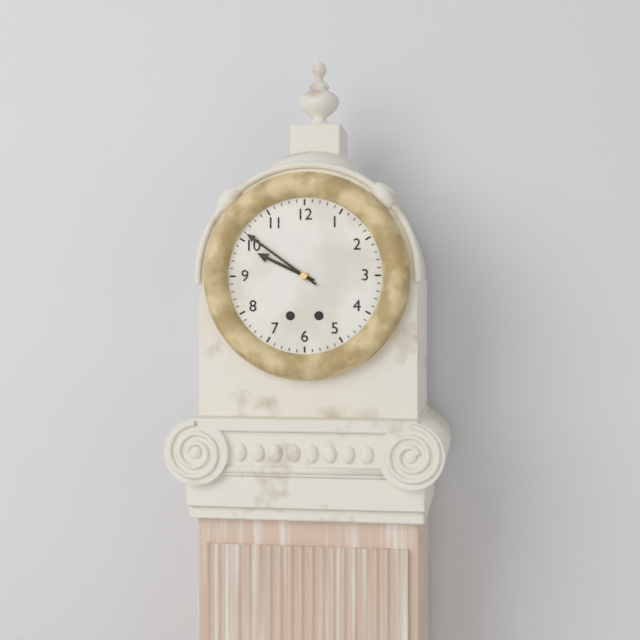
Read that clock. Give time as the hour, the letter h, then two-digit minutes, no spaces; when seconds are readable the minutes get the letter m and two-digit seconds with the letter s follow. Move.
9h51
